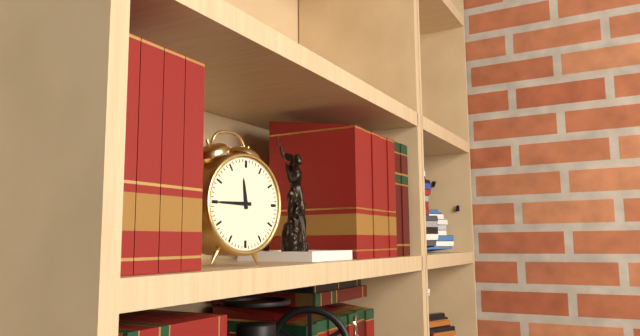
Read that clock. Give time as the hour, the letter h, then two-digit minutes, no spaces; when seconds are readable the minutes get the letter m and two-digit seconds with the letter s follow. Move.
11h45
